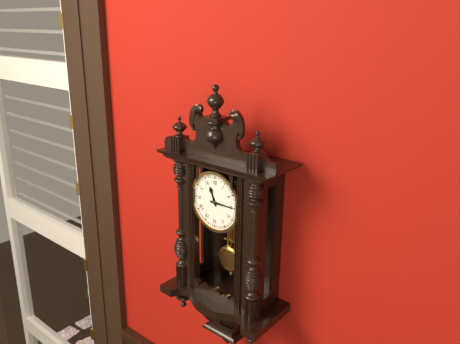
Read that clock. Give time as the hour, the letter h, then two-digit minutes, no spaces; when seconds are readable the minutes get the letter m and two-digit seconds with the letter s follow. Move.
11h15
